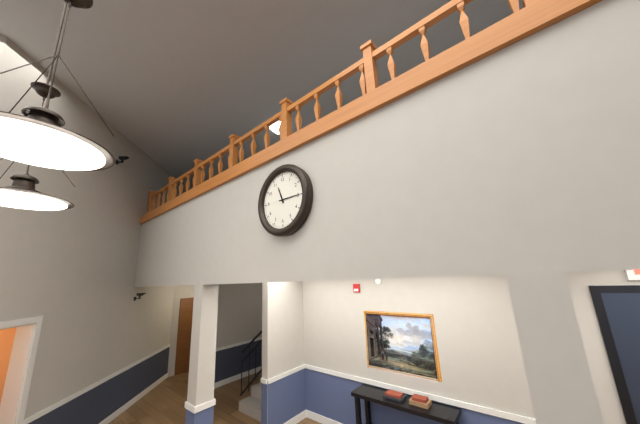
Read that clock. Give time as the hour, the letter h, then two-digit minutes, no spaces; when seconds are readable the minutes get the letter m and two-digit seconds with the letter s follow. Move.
11h15
